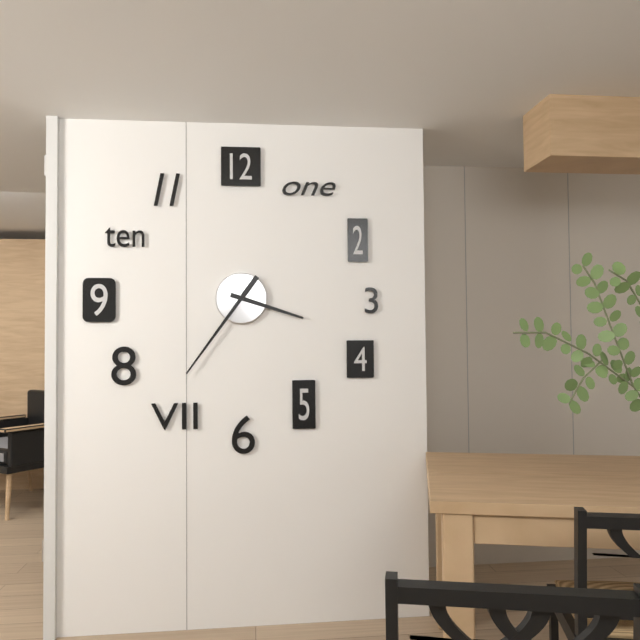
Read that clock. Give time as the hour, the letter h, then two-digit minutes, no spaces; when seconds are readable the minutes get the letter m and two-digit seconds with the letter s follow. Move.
3h36
